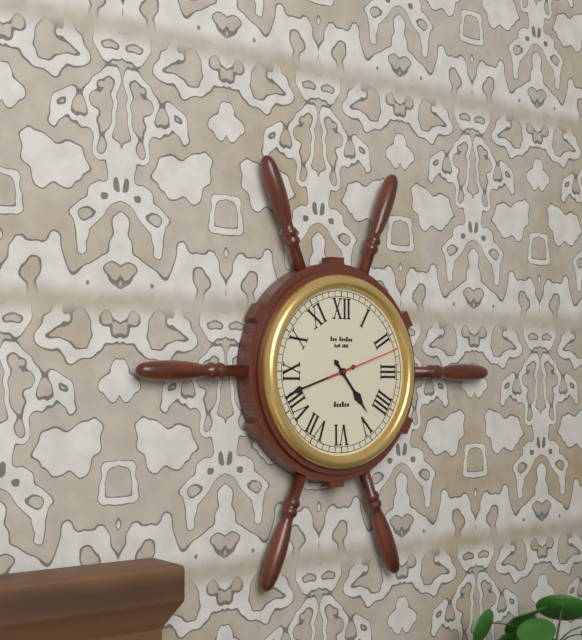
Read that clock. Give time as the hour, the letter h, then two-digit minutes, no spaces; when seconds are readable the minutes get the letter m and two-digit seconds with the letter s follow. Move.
4h42m12s
